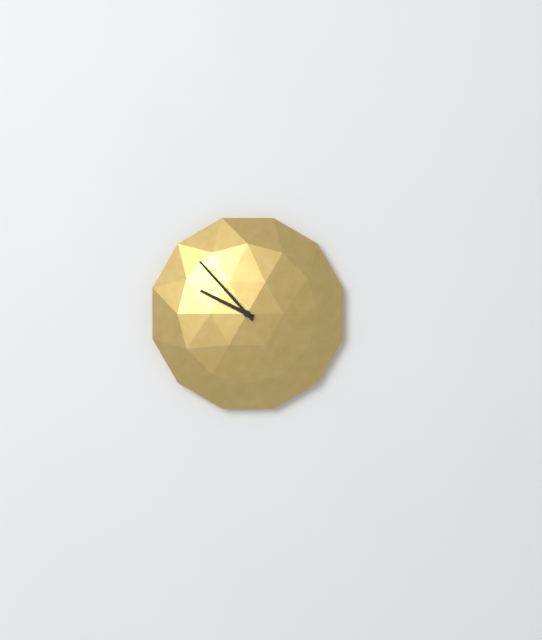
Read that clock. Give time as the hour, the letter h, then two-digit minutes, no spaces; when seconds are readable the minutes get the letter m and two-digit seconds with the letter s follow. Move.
9h53
